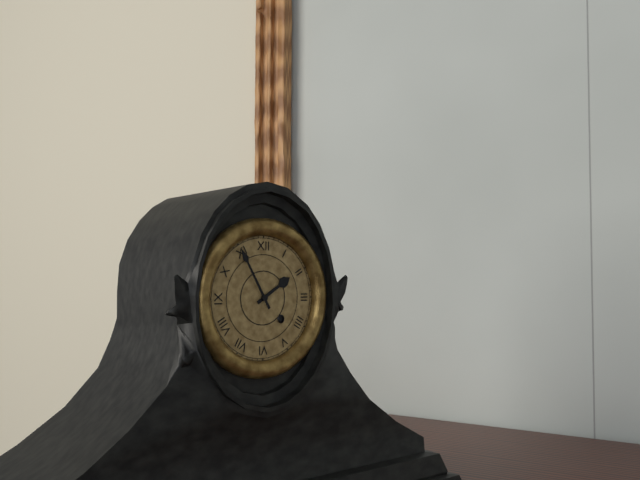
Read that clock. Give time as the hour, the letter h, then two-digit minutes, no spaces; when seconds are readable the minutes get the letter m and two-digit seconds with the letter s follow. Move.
1h55
